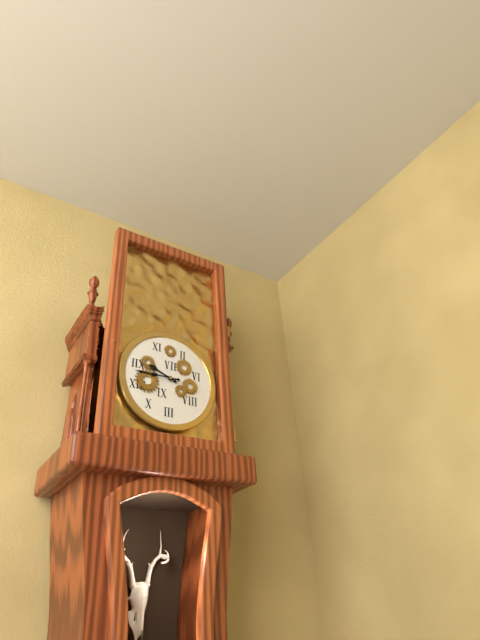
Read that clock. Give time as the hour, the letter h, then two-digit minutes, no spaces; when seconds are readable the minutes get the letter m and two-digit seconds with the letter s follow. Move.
9h45
